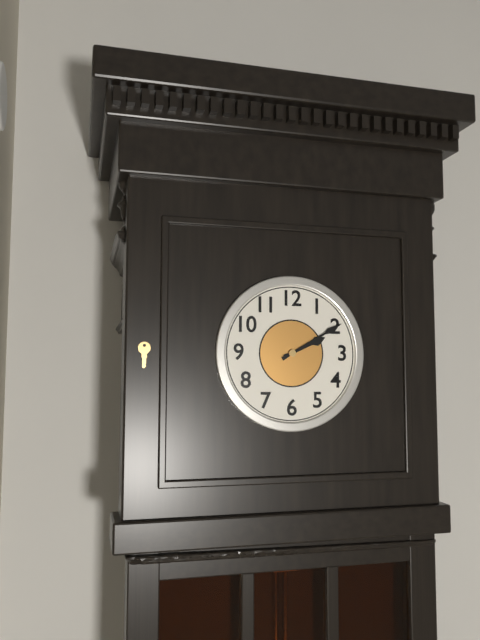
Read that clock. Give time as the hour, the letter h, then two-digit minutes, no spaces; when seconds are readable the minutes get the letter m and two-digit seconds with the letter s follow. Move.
2h10
